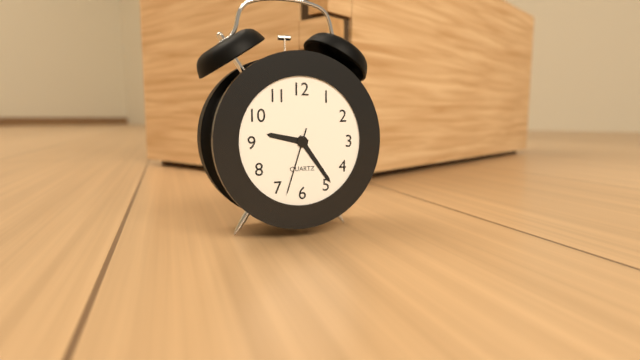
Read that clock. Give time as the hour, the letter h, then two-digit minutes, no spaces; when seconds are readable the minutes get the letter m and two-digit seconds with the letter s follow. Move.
9h24m33s
